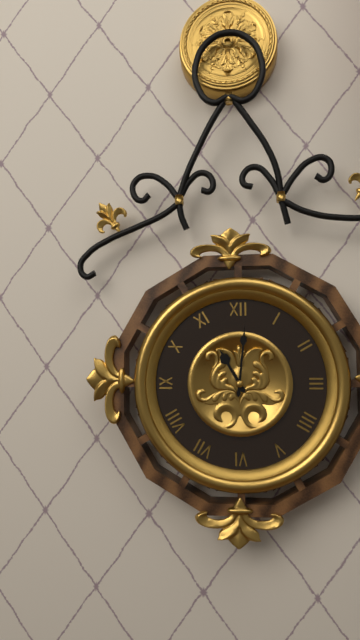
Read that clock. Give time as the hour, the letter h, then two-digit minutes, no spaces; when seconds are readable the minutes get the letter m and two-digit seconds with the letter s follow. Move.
11h01
